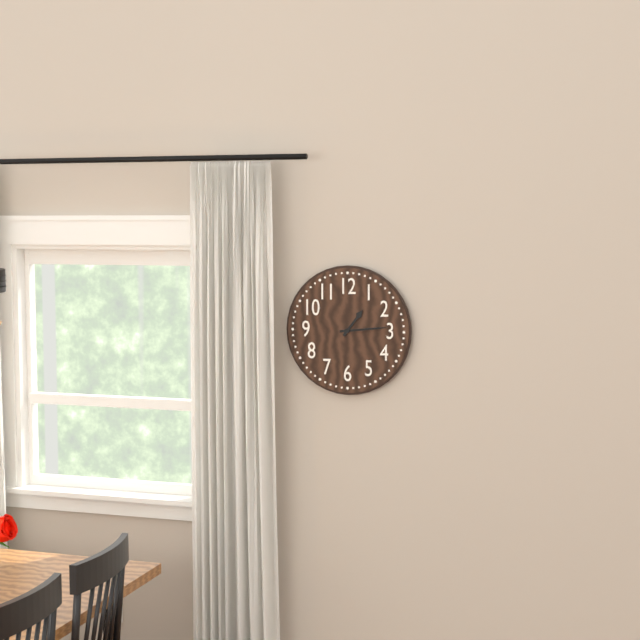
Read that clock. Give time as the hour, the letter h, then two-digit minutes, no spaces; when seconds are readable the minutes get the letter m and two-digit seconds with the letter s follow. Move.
1h14
